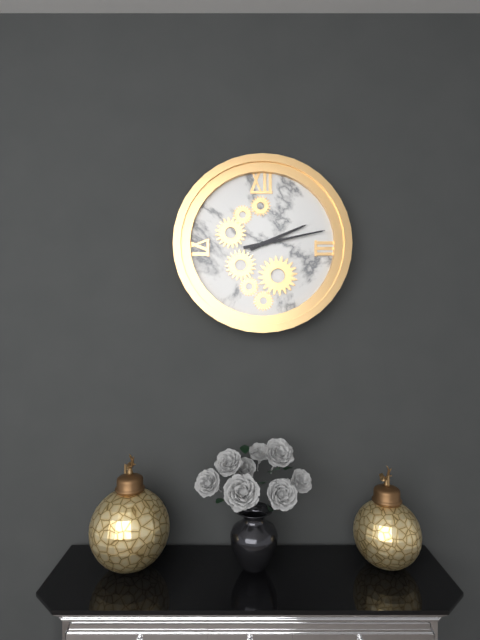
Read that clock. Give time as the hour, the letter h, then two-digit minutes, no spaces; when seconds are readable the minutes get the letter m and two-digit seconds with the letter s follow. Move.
2h13
